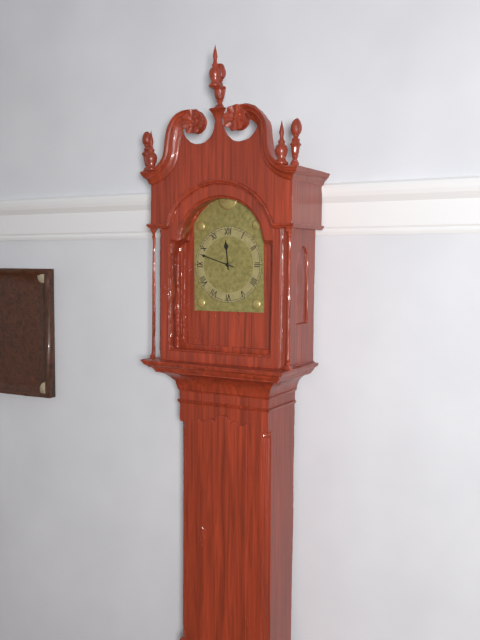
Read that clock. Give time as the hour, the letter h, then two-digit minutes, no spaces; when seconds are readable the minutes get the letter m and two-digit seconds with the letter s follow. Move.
11h48
